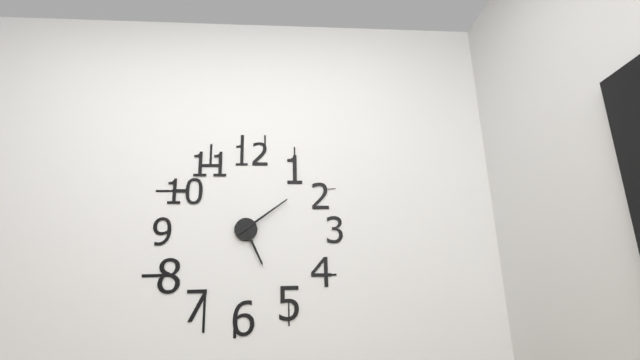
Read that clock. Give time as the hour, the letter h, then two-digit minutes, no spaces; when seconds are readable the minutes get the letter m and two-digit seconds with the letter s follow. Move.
5h09
